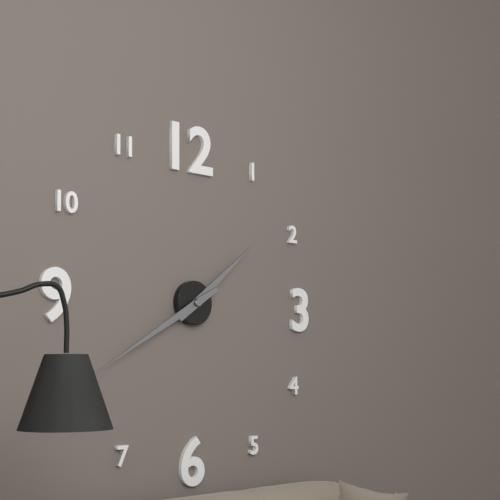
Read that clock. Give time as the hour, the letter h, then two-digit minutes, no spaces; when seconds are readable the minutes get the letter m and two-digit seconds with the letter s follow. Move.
1h40
